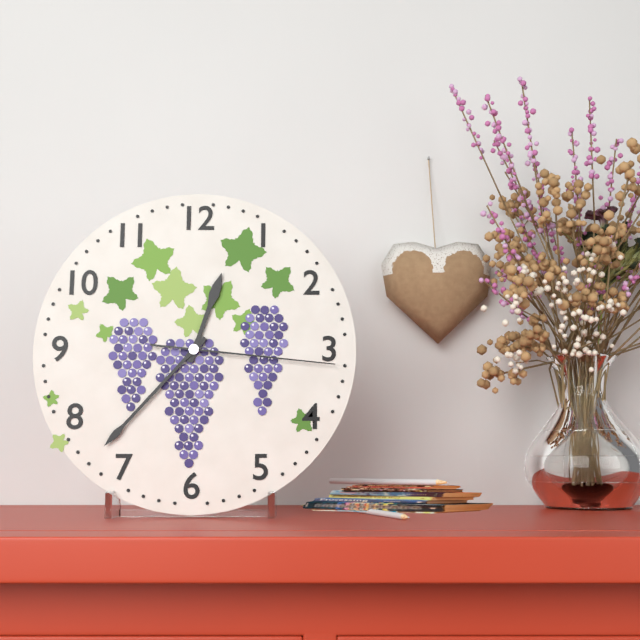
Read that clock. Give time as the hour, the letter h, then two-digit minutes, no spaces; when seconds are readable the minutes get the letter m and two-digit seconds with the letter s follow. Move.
12h37m16s
